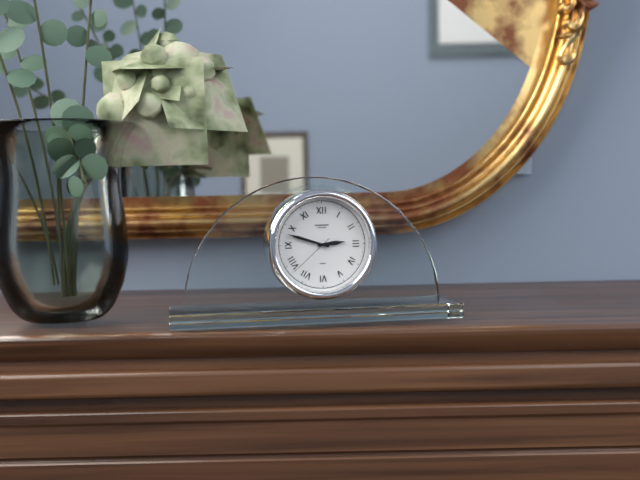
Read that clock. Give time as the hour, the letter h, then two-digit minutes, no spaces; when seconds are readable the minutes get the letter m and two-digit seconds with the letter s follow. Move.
2h48
